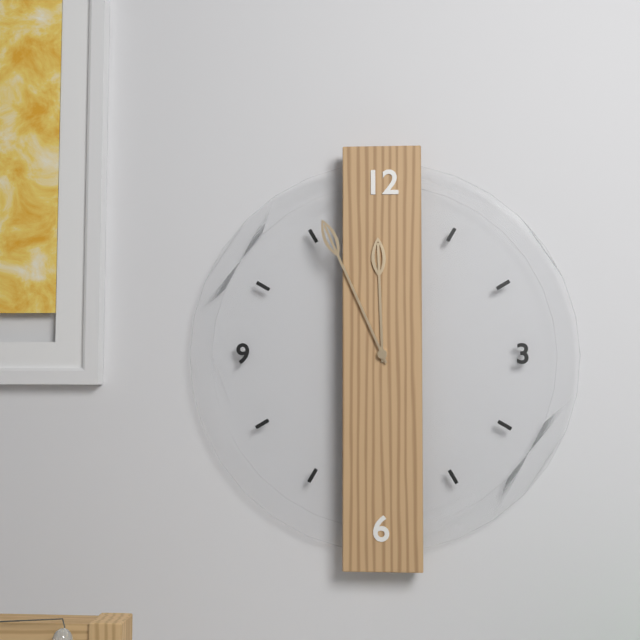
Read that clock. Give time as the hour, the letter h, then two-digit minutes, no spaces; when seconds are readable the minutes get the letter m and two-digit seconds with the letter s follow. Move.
11h56
